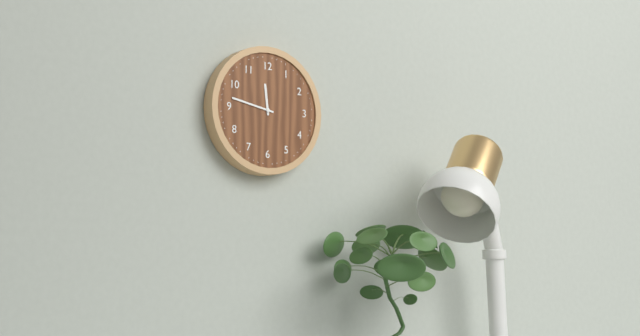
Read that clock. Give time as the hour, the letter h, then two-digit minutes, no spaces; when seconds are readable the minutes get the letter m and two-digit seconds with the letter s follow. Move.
11h47
